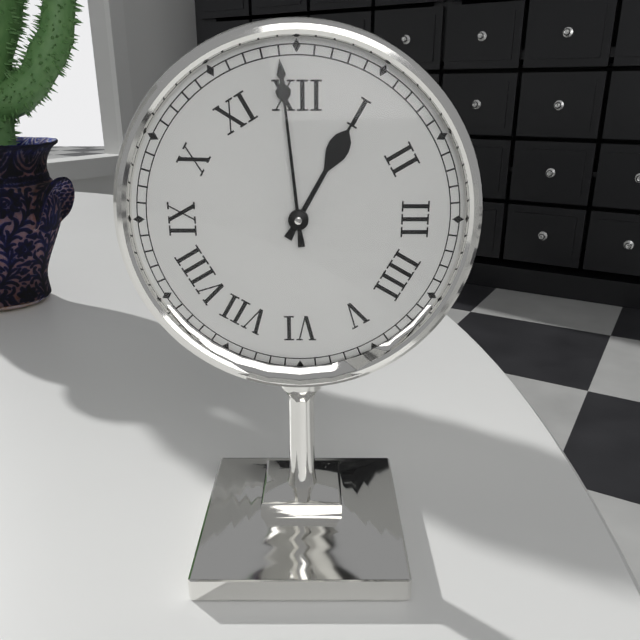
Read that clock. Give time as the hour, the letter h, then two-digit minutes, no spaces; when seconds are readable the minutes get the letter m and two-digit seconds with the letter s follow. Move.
12h59
